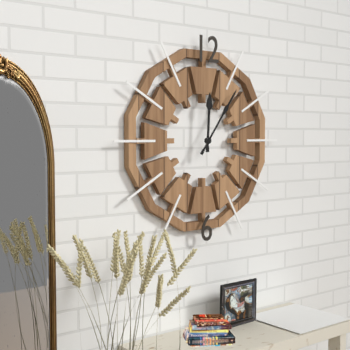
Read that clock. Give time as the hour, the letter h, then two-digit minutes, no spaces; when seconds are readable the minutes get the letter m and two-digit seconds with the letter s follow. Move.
12h06
